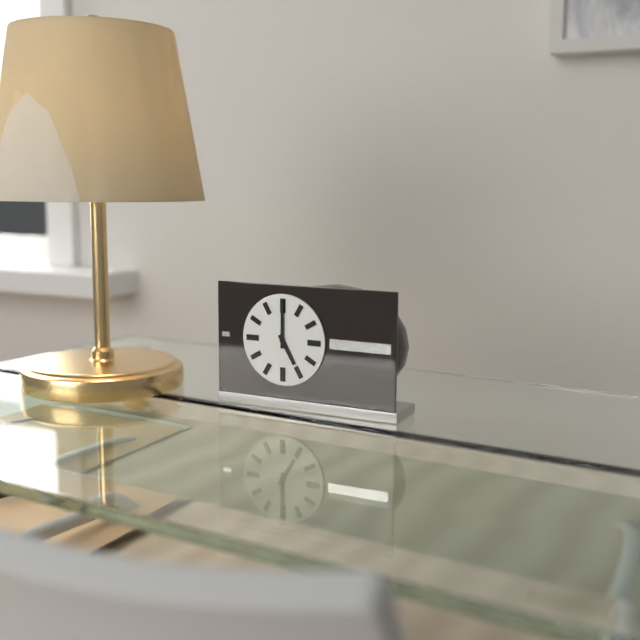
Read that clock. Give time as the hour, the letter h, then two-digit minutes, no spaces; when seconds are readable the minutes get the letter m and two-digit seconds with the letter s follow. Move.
5h00
